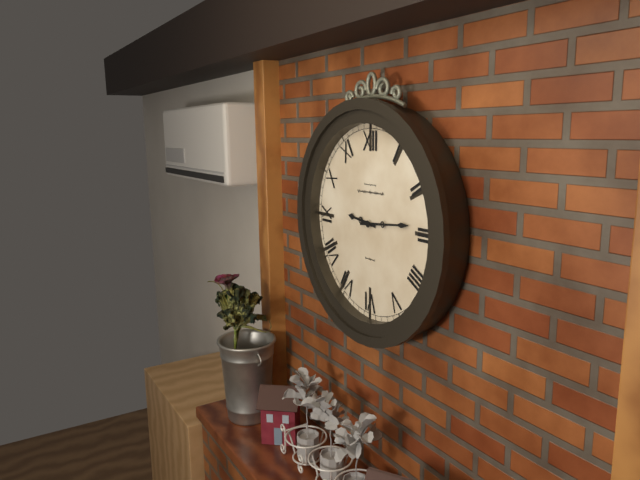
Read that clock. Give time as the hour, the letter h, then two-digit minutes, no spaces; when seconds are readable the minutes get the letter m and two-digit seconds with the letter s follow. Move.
9h14
